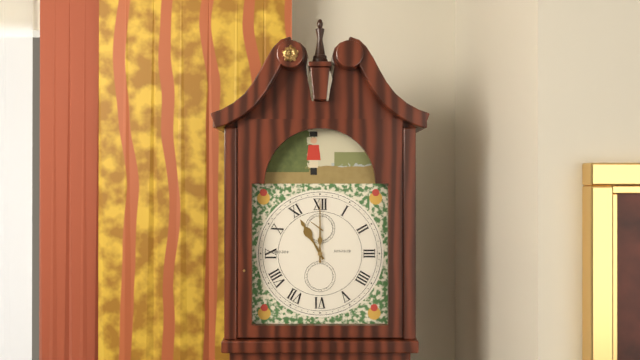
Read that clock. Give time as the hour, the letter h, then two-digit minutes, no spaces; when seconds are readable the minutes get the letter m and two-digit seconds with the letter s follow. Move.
11h00
